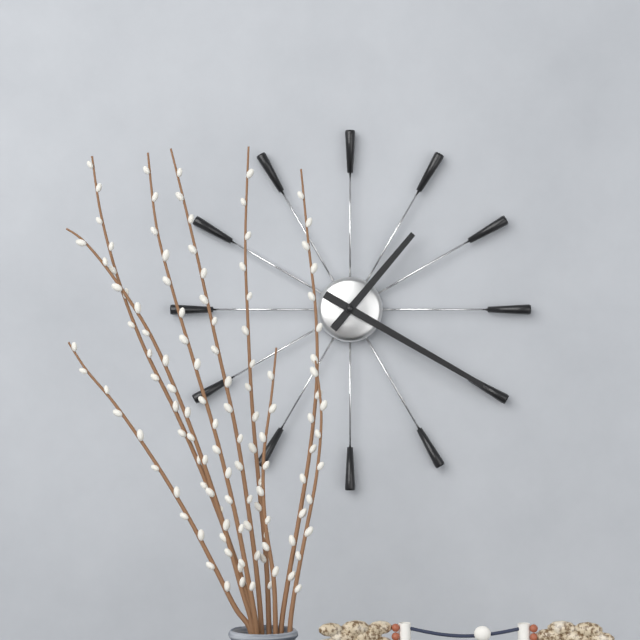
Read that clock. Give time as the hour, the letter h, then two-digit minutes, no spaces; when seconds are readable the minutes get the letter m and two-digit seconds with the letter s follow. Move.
1h20
